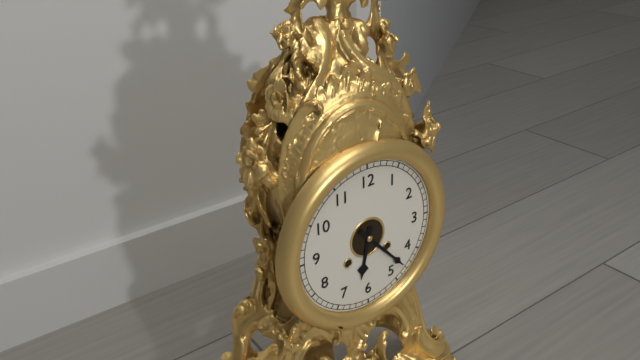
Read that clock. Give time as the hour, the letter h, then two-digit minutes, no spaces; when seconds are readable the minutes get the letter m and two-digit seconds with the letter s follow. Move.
6h23
